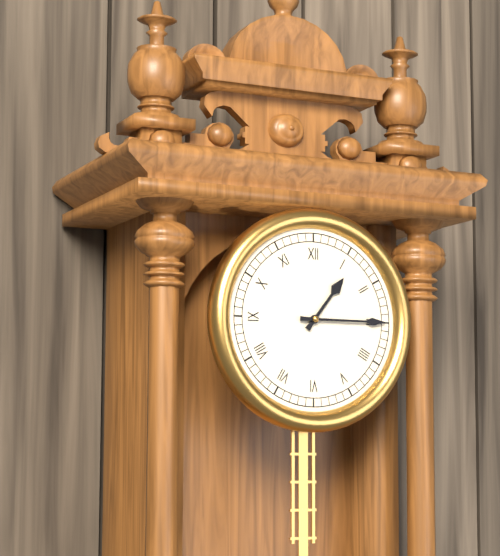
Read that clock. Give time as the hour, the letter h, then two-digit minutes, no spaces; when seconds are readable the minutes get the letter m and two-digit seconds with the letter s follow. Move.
1h15
